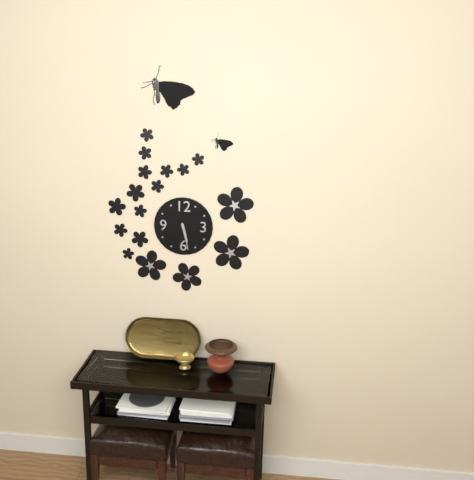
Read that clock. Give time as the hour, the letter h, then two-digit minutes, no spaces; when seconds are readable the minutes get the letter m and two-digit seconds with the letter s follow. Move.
5h28
